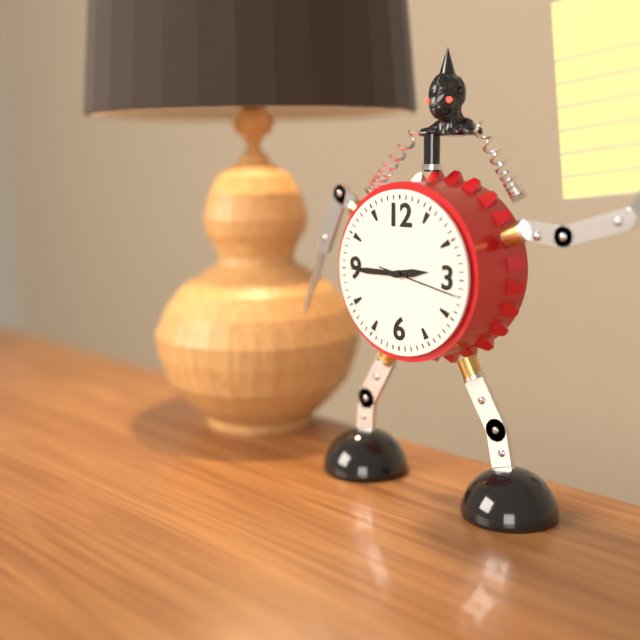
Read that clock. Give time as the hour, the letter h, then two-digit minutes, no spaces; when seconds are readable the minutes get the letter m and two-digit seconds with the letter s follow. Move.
2h45m17s
